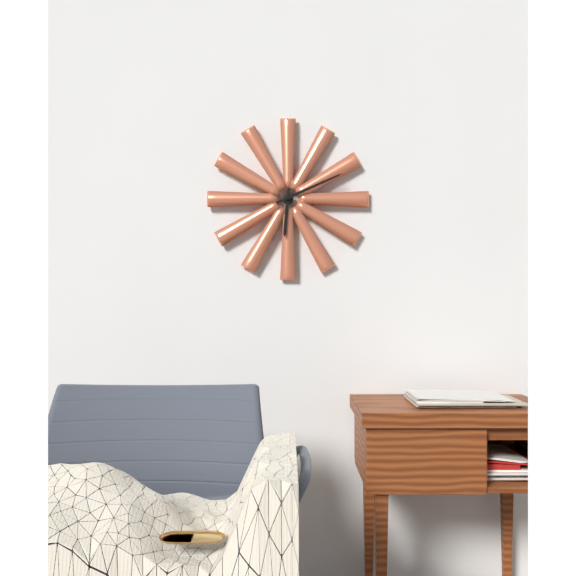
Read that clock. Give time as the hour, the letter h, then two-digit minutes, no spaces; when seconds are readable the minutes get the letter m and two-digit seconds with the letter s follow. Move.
6h11
